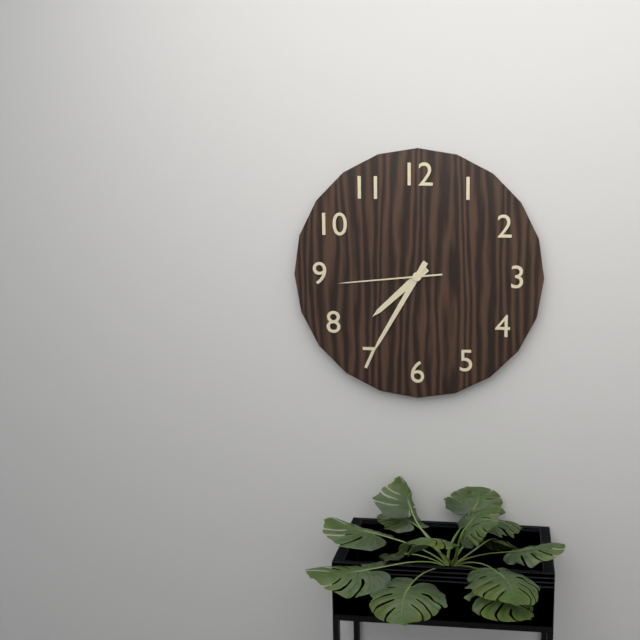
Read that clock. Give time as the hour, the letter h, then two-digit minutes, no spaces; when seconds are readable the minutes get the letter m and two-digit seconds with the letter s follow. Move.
7h35m44s
